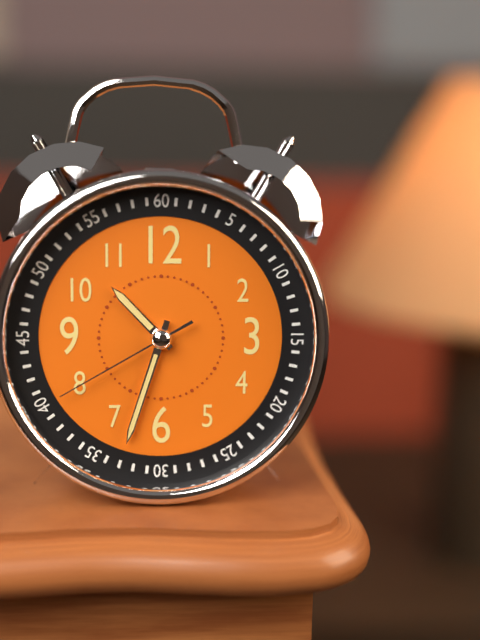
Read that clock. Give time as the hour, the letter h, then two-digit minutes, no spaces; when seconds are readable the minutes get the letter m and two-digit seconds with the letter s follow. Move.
10h33m40s
